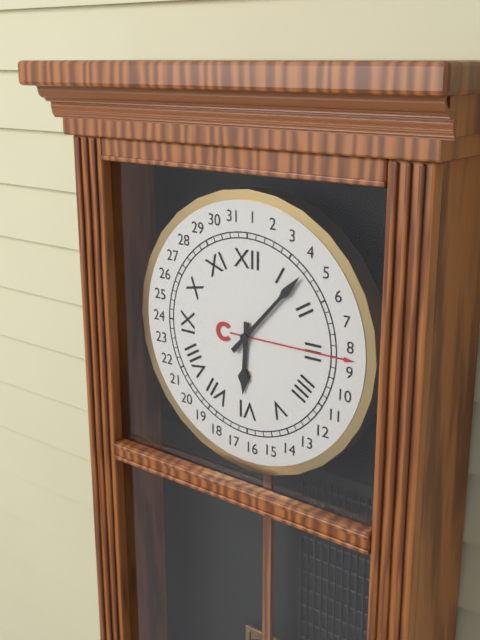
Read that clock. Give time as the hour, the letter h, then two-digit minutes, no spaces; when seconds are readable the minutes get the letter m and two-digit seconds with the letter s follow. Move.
6h07
